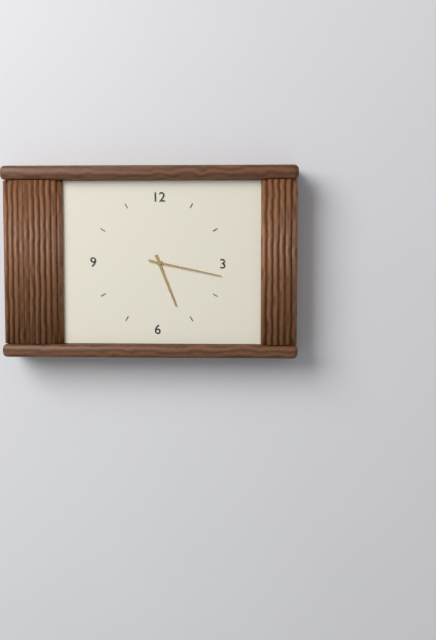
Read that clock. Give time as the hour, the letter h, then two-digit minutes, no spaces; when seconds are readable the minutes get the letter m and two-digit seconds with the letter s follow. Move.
5h17
